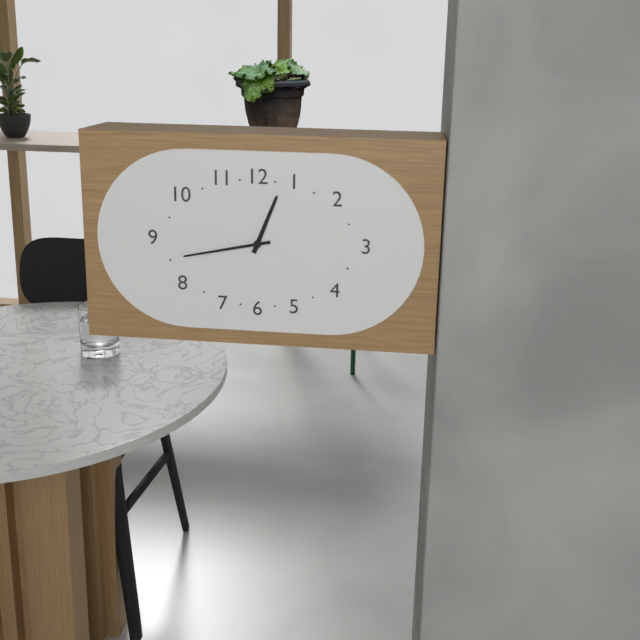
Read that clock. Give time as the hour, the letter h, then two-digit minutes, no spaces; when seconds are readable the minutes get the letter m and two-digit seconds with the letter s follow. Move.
12h43
